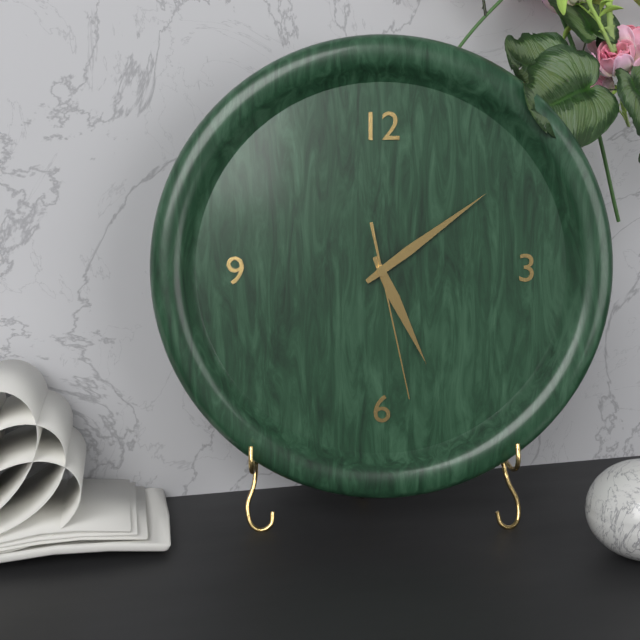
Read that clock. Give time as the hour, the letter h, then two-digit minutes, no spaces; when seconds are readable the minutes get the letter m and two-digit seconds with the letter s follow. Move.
5h09m28s
